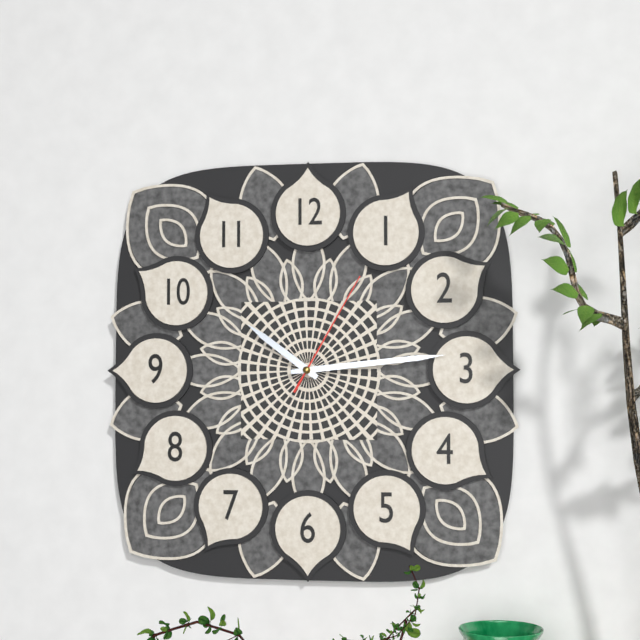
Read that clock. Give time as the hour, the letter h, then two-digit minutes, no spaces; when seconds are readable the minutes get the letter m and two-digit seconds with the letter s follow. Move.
10h14m05s
